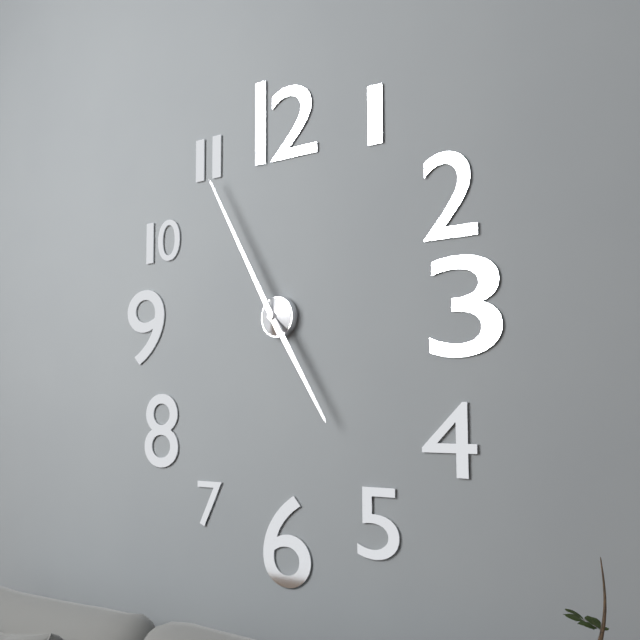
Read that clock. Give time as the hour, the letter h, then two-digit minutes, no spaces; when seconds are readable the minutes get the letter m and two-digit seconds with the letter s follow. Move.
4h55
